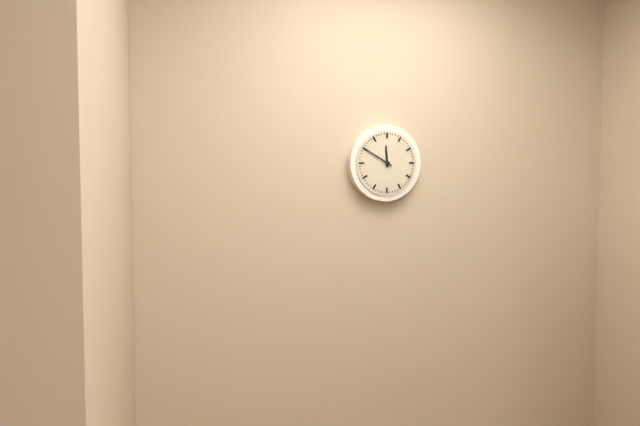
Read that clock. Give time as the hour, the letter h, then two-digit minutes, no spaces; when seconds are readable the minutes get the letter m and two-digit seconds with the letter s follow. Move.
11h50
